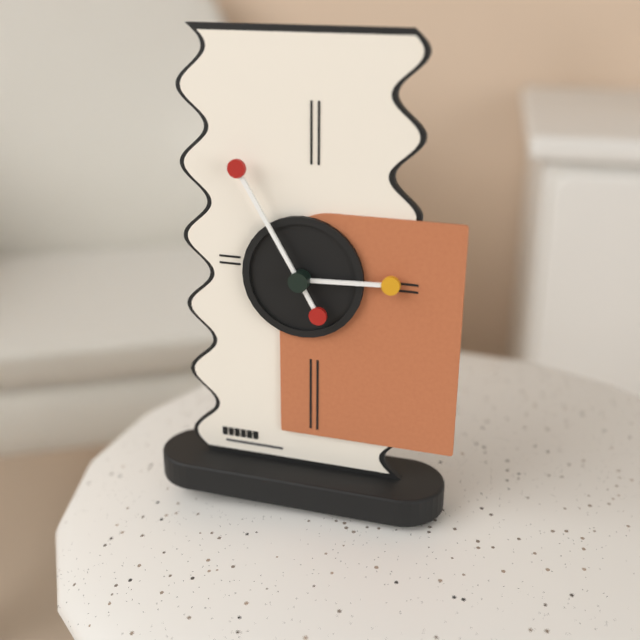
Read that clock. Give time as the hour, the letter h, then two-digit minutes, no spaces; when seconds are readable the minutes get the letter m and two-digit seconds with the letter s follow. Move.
2h55
